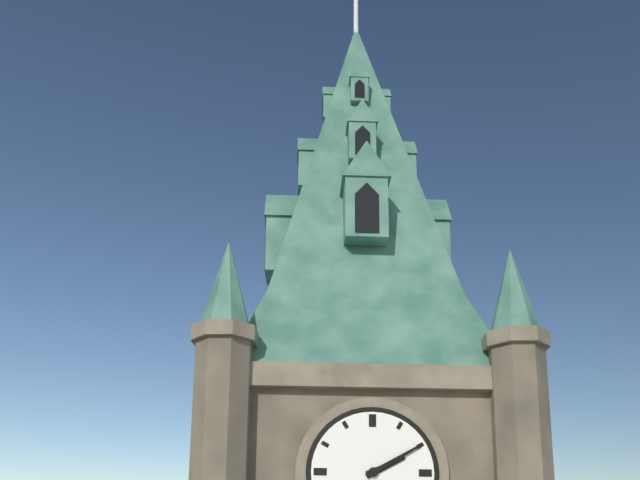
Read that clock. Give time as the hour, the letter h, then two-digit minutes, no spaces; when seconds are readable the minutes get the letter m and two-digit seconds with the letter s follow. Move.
2h10
